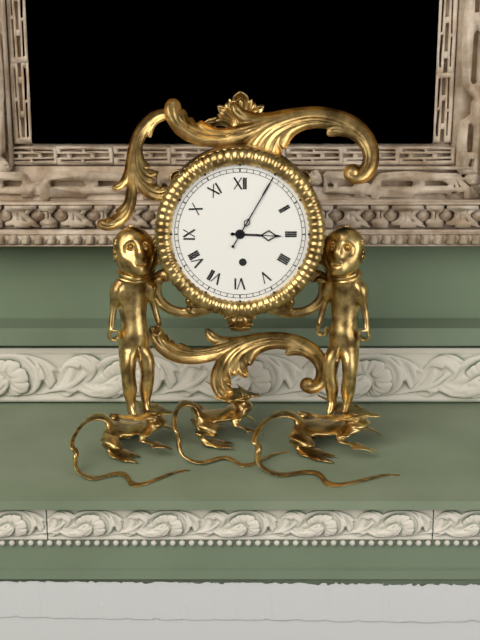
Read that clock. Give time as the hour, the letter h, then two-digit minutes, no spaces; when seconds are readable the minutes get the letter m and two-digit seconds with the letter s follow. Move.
3h05
